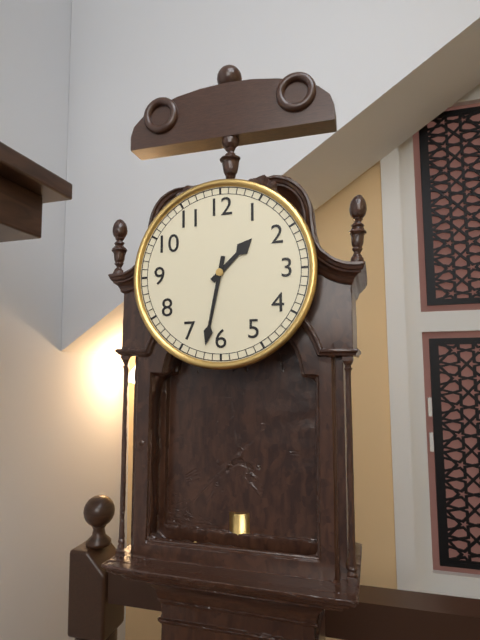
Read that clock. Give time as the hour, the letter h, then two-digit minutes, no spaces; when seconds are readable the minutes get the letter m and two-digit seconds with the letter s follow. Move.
1h32
